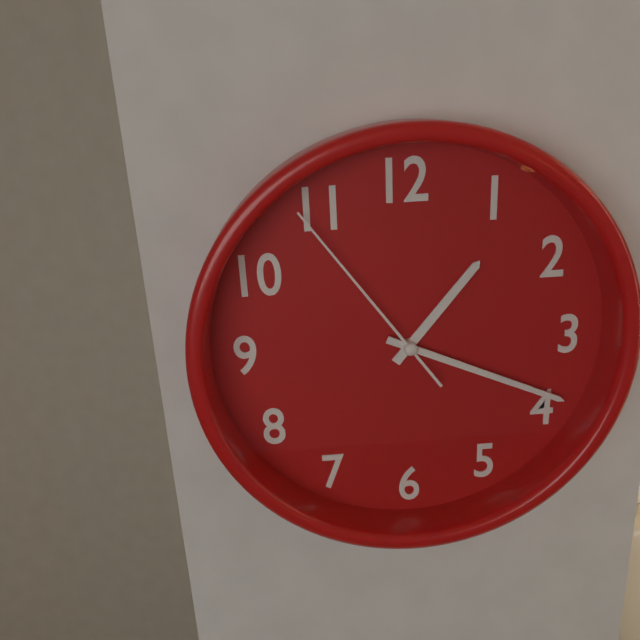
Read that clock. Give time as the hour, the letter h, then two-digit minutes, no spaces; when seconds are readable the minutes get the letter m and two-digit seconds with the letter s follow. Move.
1h19m54s
